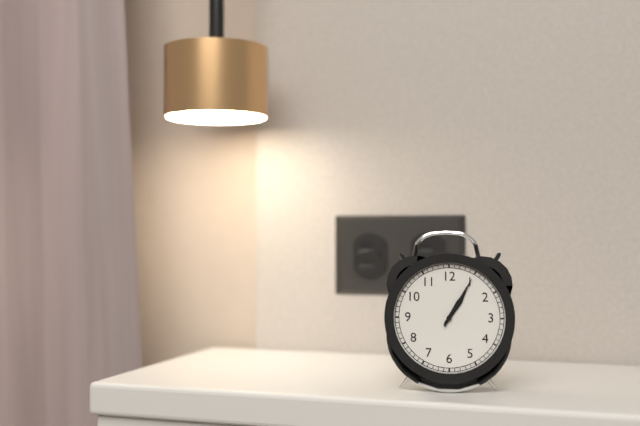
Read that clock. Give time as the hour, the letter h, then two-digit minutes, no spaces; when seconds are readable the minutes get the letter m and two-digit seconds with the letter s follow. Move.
1h05
